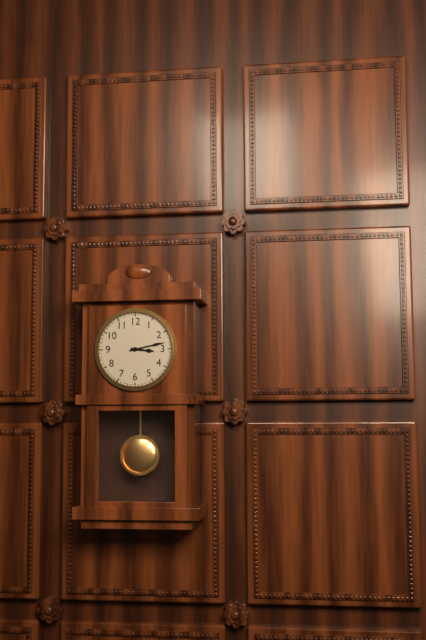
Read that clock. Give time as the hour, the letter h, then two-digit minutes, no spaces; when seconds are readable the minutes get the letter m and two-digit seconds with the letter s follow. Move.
3h13
